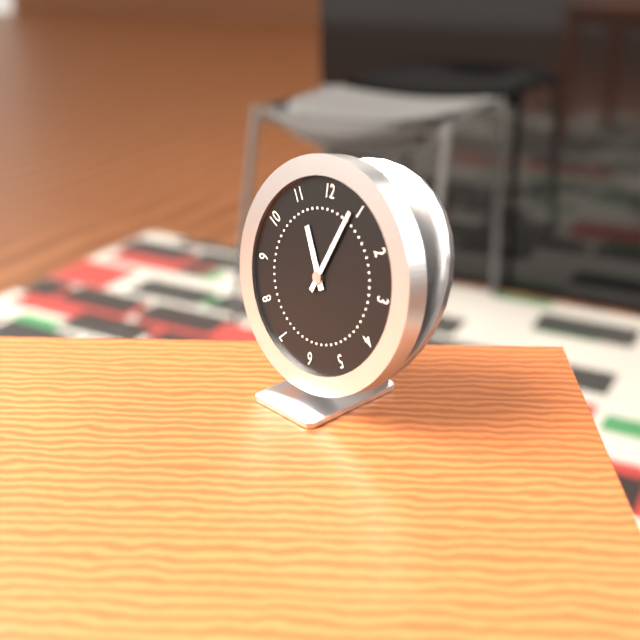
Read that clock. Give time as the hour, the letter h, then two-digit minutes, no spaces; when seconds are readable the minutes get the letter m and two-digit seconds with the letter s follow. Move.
11h04
